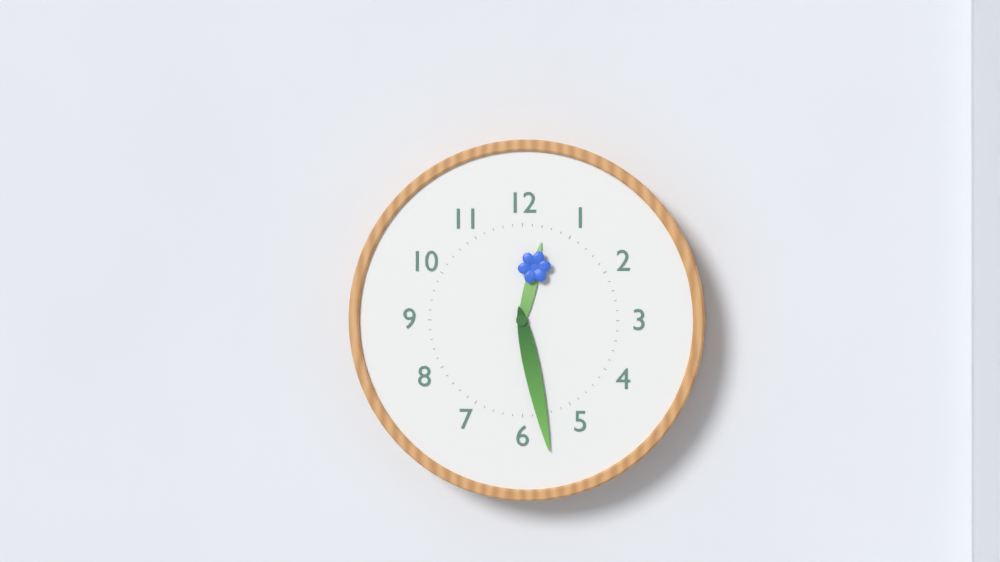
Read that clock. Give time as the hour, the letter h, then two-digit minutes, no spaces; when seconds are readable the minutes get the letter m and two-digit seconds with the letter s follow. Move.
12h28
